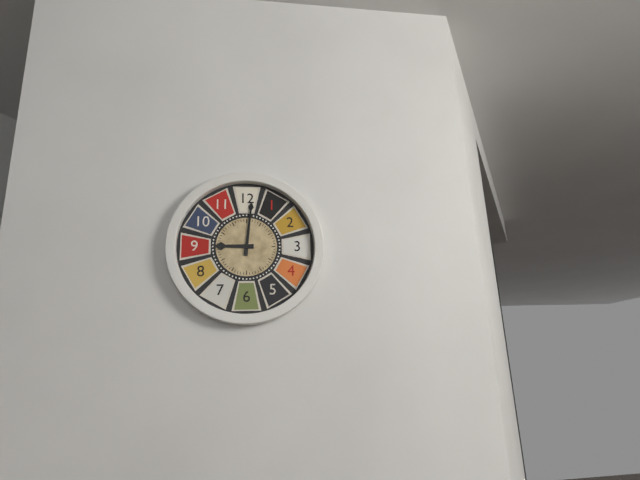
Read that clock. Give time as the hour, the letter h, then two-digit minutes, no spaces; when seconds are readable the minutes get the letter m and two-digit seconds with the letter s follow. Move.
9h01
